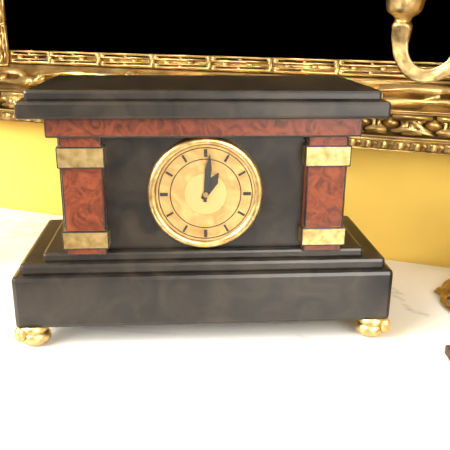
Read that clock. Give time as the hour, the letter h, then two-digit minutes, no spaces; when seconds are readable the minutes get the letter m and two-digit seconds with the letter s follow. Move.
1h01
